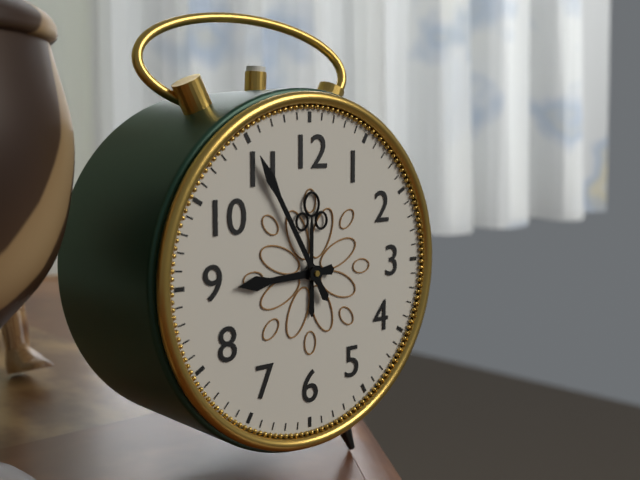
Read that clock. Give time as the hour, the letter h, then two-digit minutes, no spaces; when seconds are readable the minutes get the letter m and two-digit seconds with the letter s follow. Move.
8h55
